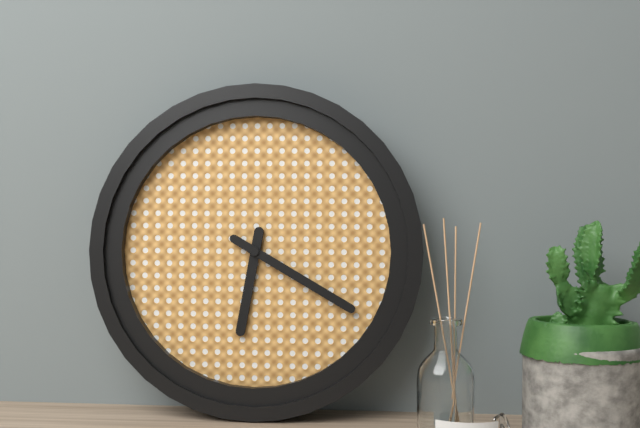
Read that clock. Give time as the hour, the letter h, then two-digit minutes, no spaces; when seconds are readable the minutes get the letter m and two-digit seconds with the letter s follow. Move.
6h20
